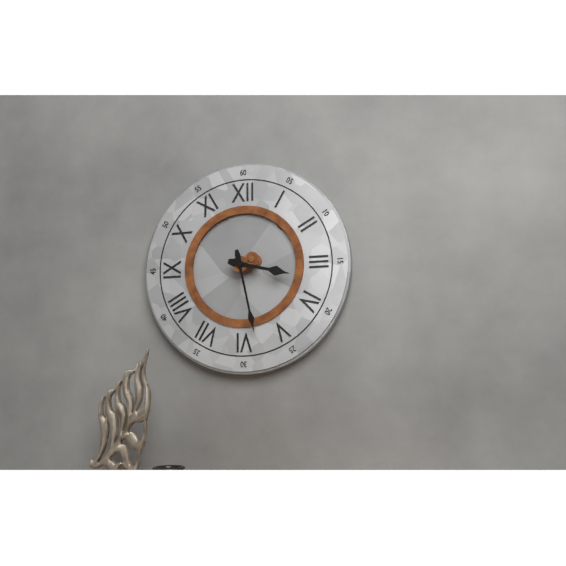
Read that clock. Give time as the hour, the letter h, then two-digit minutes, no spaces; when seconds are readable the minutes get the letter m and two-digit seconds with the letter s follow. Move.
3h28
